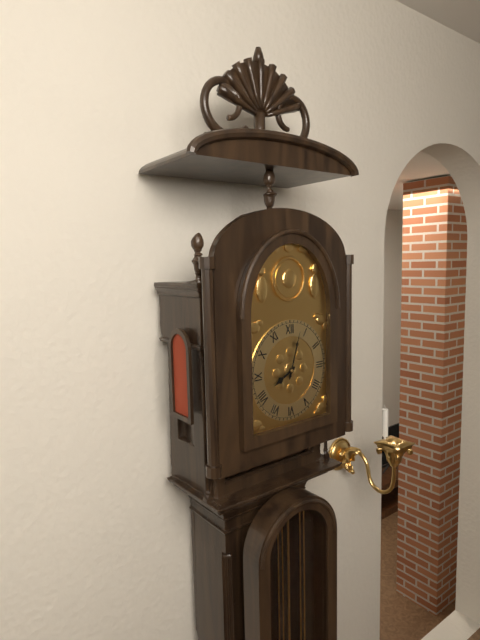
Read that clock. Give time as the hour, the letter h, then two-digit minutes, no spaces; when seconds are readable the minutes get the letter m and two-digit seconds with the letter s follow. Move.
8h03
